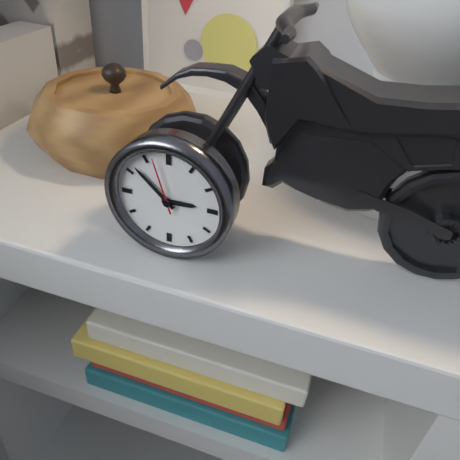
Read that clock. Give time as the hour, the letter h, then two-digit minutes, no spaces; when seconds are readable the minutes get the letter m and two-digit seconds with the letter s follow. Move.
2h52m57s
